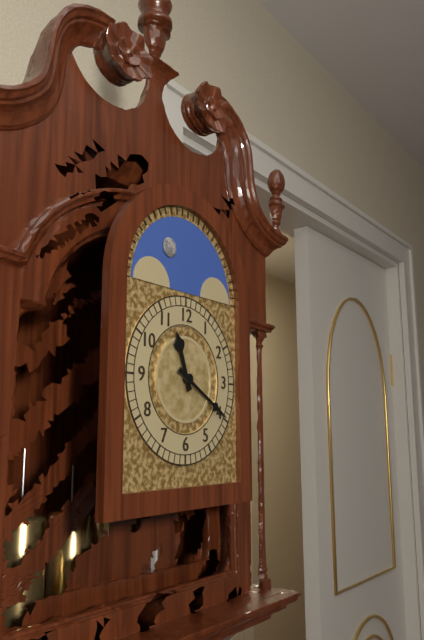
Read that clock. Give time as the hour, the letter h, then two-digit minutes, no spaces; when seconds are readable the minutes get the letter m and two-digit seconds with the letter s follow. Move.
11h20
